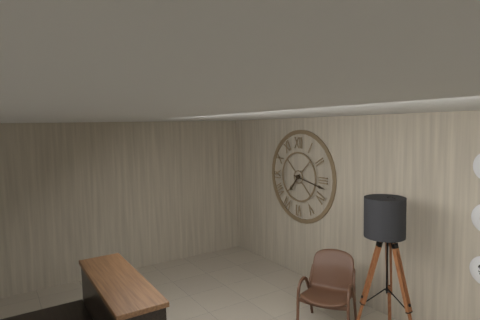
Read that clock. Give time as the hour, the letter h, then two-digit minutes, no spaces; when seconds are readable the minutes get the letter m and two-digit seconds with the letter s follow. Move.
7h17
